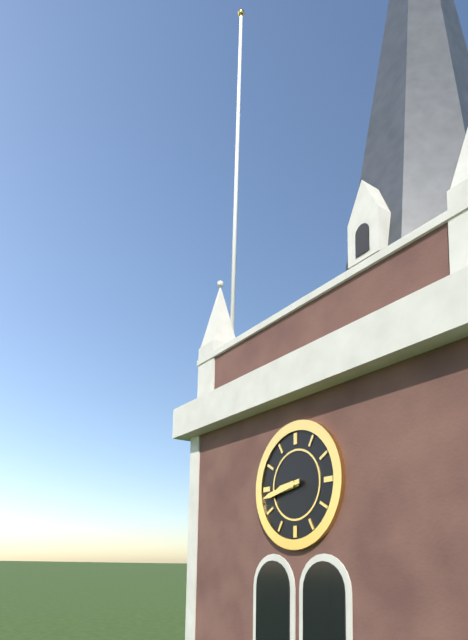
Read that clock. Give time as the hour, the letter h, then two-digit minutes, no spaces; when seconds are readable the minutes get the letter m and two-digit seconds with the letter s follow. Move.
8h43
